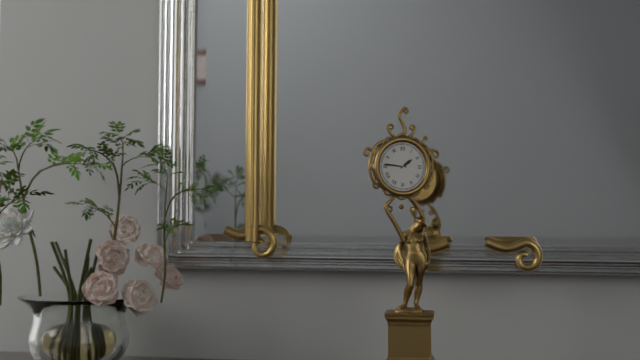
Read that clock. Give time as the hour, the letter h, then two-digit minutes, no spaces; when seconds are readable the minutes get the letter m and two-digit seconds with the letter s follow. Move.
1h46
